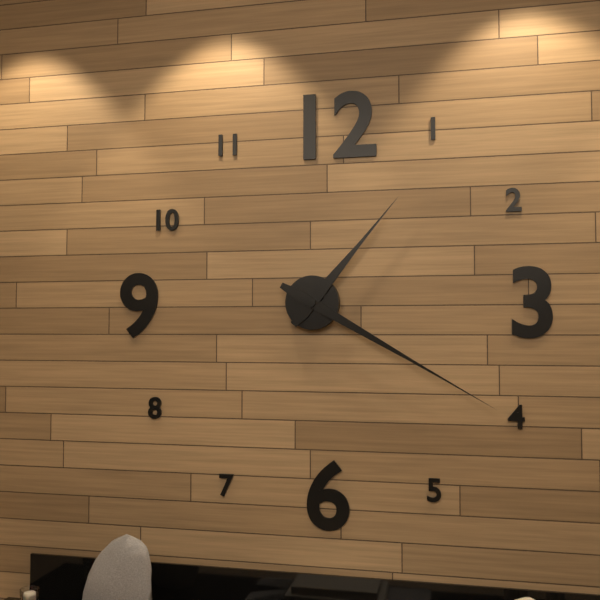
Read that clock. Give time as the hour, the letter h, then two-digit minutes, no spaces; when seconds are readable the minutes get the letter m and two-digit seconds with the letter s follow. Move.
1h20
